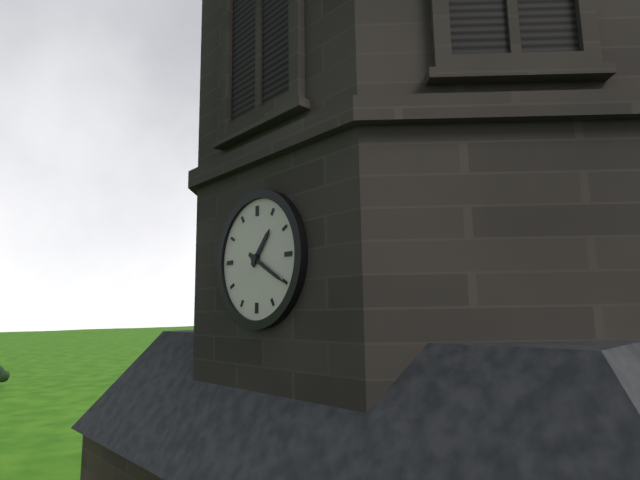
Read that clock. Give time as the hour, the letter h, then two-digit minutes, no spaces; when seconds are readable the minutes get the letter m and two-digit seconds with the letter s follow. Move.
1h20
